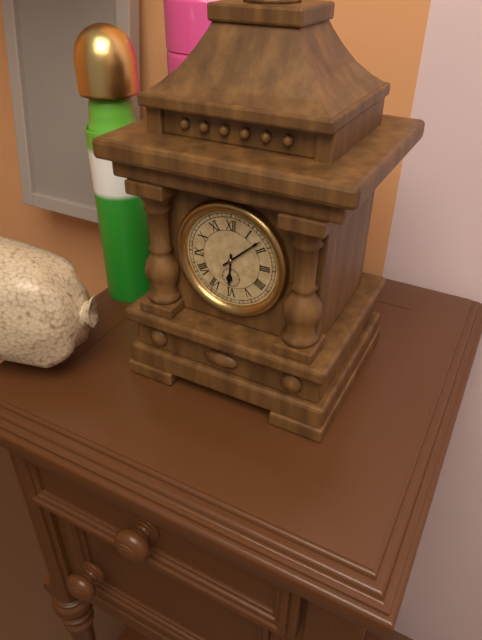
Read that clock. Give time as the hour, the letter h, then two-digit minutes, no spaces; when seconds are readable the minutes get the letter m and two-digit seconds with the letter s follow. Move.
6h08
